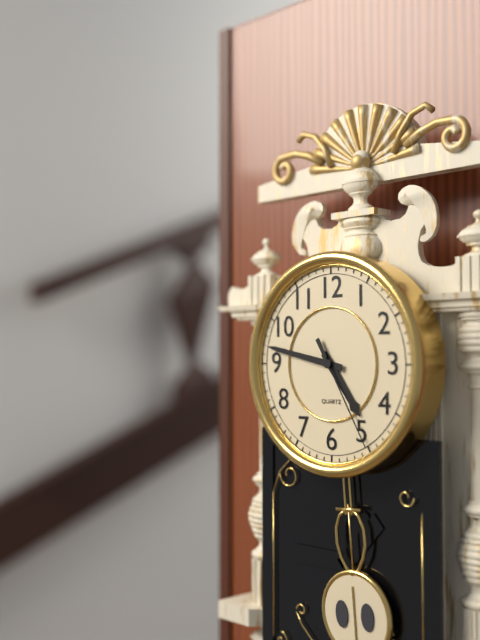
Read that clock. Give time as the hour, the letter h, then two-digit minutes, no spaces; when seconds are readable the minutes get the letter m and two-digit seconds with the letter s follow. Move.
4h47m25s
